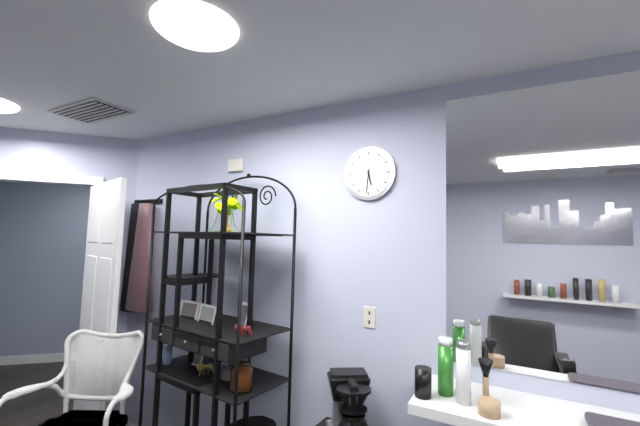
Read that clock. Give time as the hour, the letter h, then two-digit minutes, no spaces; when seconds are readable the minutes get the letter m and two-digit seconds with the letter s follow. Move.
5h31
